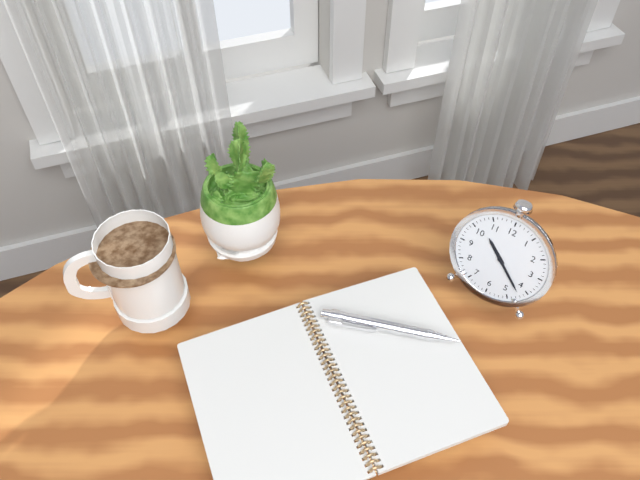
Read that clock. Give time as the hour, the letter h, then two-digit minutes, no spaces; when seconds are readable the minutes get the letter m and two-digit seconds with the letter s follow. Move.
10h22
